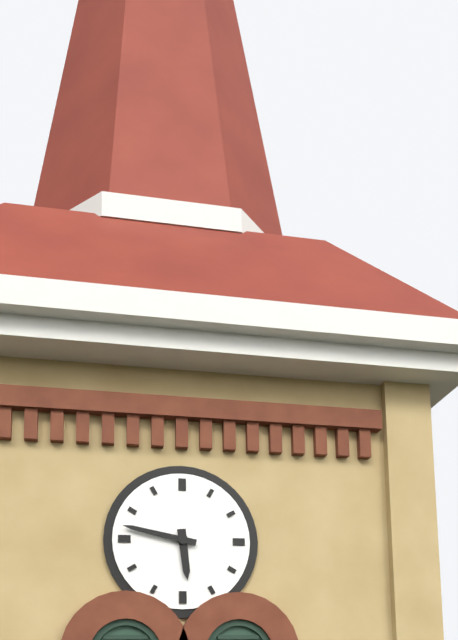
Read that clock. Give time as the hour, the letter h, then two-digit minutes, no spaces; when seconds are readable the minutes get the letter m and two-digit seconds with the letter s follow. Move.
5h47
